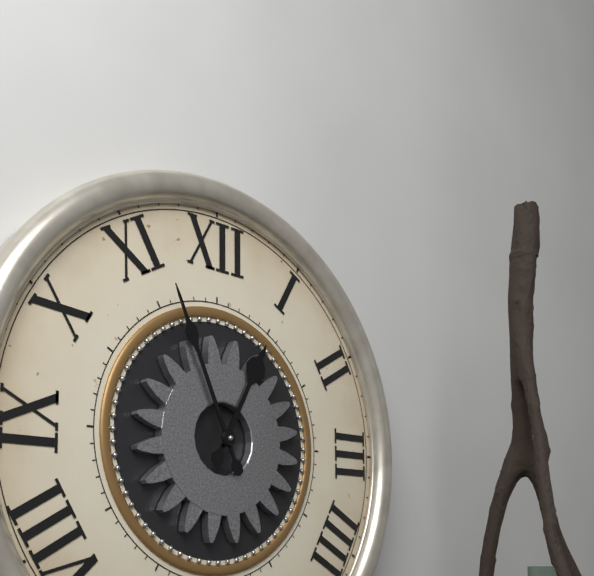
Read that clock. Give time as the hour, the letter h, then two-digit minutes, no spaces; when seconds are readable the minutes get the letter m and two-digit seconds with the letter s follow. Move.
12h56
